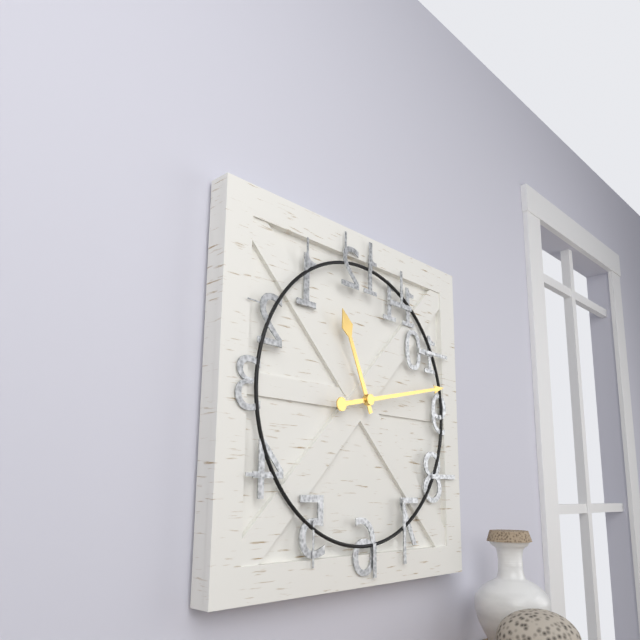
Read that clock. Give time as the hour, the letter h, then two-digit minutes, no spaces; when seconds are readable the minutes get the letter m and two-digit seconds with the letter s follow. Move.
11h13
